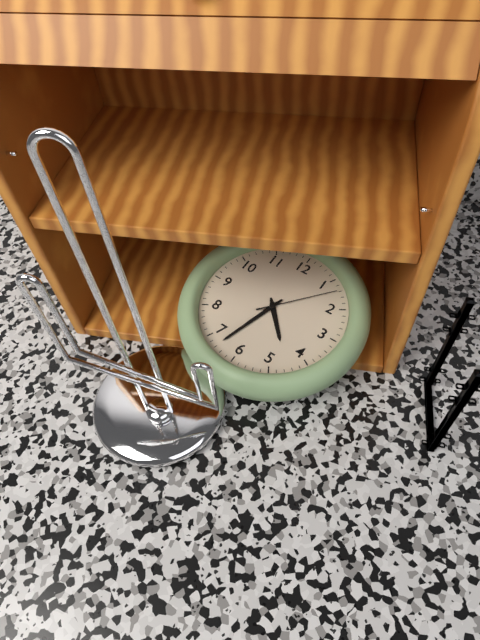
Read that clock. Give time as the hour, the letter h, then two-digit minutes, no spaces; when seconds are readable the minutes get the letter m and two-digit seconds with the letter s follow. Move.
4h33m07s
